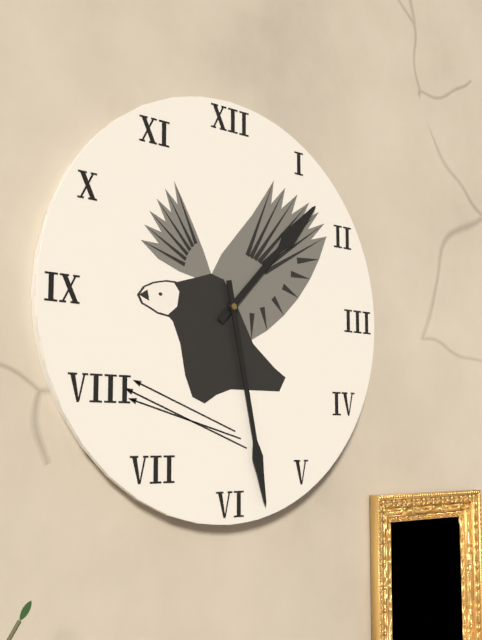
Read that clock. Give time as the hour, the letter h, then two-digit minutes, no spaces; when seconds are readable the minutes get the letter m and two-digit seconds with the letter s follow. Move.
1h28
